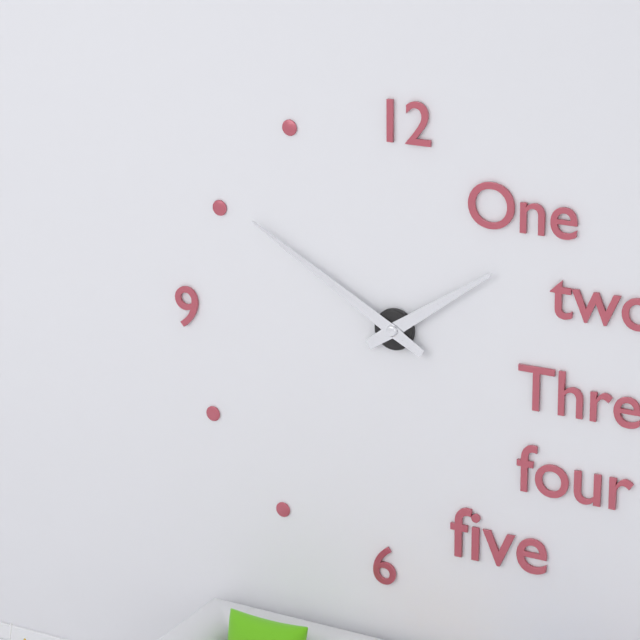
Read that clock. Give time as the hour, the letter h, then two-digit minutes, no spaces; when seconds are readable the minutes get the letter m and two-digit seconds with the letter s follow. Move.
1h50
